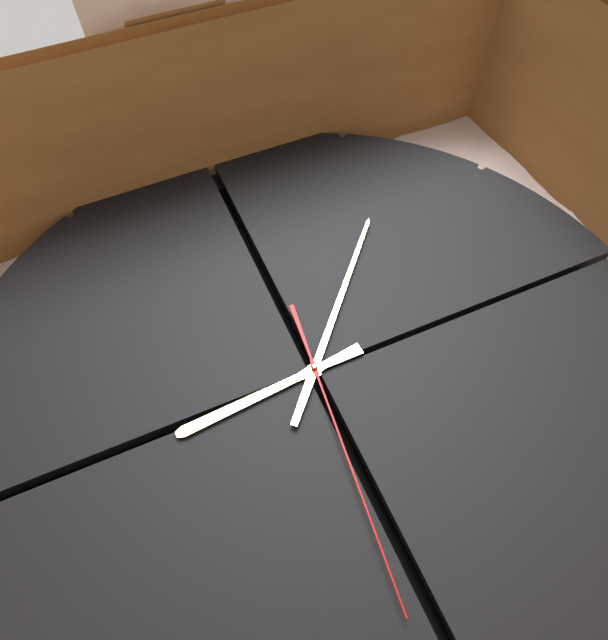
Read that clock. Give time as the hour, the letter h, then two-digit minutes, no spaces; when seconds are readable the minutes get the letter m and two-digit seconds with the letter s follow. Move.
5h52m16s
